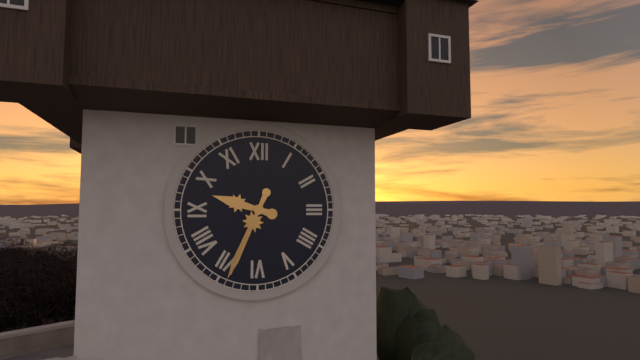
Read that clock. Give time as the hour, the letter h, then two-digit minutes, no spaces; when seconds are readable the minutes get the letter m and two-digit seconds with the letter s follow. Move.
9h34
